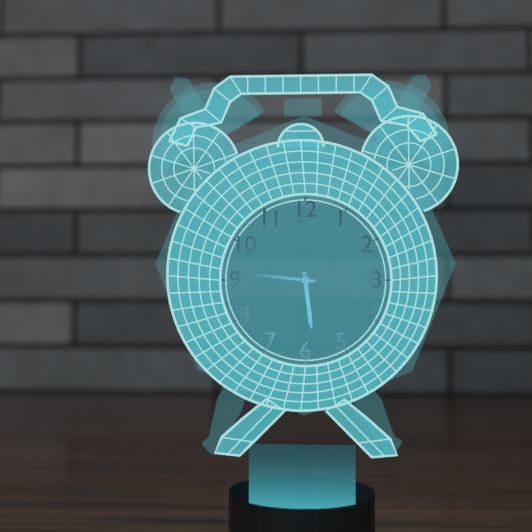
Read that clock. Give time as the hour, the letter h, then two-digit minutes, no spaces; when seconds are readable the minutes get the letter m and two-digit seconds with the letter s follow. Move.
5h46
